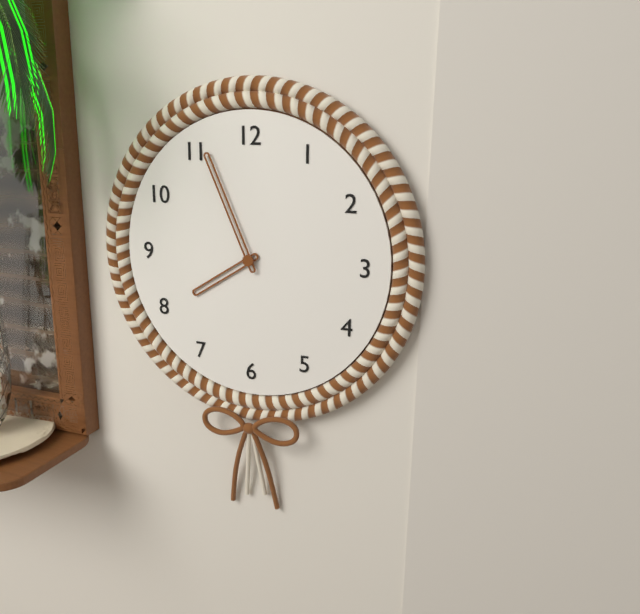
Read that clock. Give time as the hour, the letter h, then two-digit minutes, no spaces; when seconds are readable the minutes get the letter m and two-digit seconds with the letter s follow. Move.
7h56
